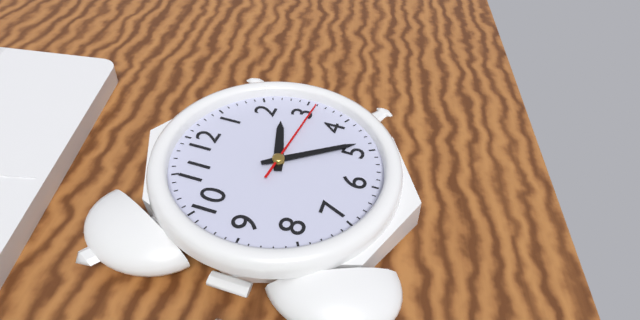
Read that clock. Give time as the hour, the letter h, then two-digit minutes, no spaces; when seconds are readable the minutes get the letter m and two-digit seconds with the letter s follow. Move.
2h24m16s
